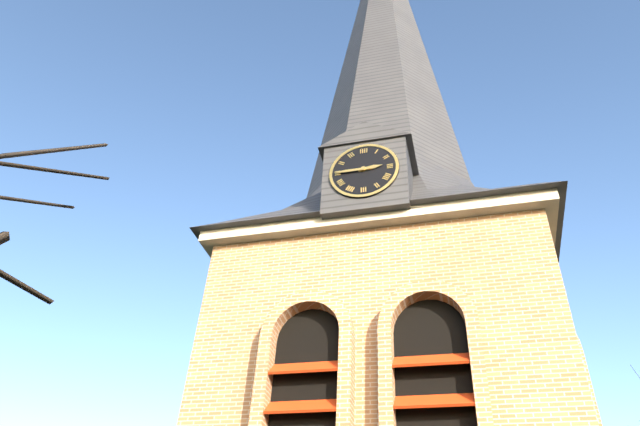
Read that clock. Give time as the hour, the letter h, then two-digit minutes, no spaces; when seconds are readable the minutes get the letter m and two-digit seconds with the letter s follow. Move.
2h45
